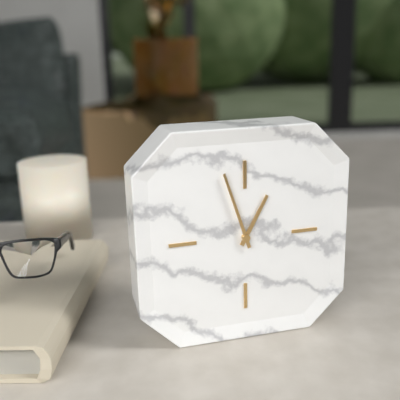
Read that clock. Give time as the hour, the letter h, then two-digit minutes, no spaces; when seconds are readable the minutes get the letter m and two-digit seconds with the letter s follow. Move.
12h57
